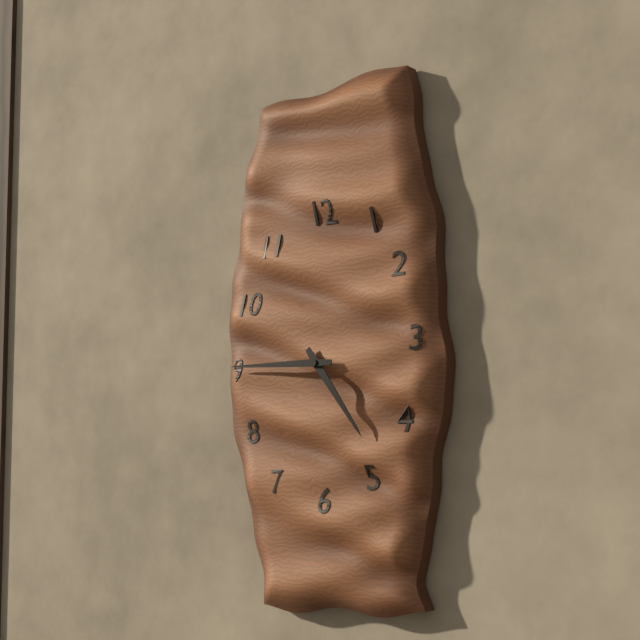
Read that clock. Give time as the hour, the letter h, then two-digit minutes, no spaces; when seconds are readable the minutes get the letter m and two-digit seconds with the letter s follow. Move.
4h45
